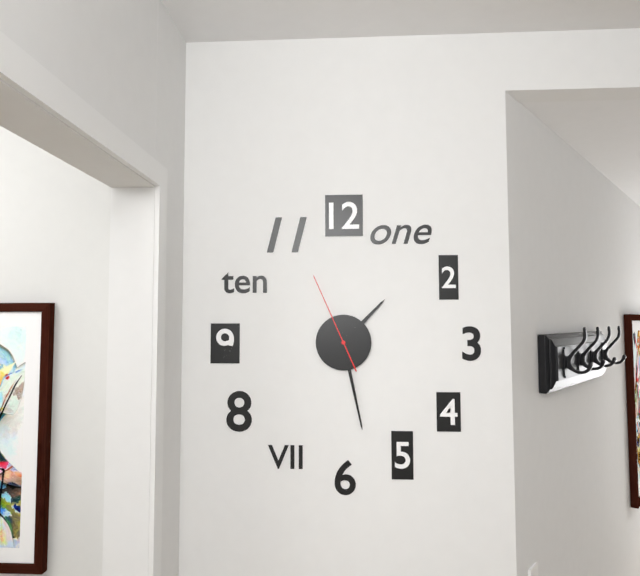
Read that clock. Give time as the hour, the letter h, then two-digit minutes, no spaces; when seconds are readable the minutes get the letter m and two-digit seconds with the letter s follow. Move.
1h28m56s
